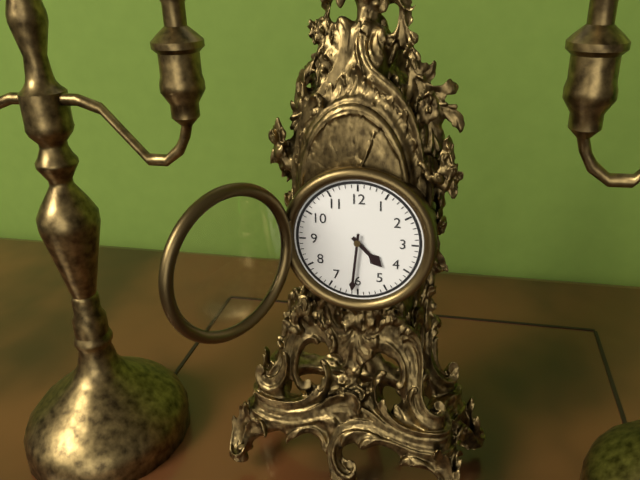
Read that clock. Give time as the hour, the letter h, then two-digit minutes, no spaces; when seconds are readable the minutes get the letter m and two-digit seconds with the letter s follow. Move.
4h31
